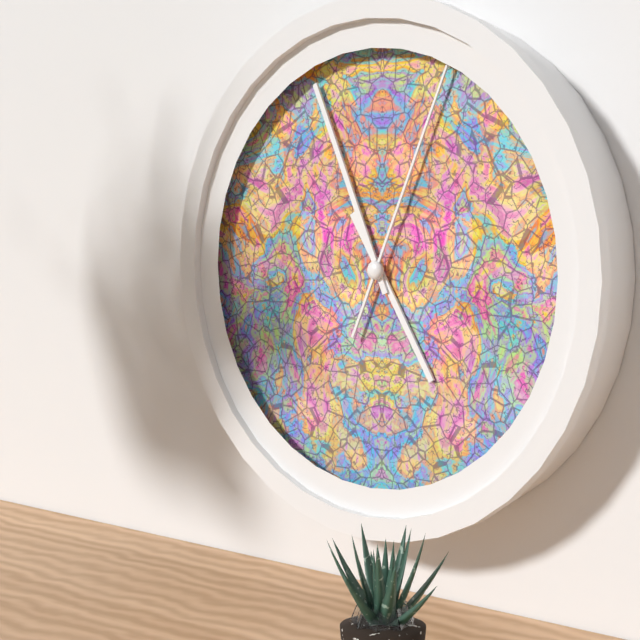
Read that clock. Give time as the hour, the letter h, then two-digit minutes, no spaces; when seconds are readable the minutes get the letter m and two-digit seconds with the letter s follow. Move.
4h56m04s
